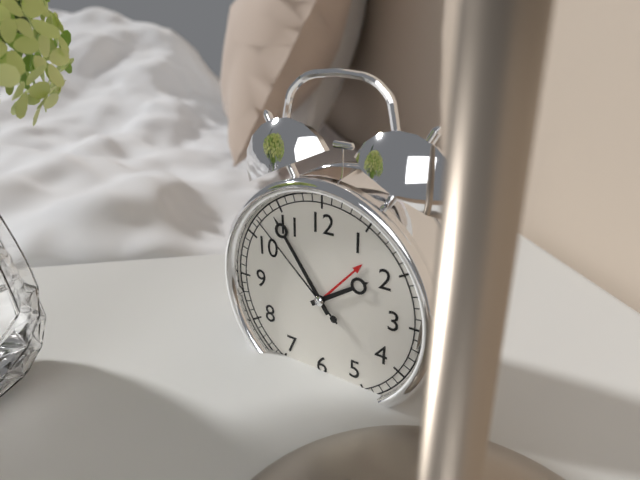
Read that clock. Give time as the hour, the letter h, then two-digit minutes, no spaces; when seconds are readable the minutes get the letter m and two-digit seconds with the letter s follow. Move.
1h54m52s
